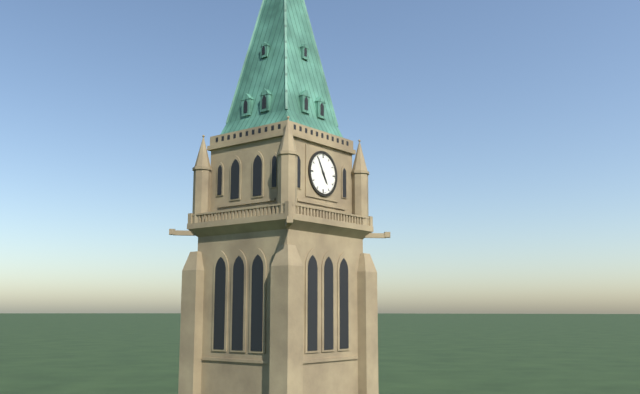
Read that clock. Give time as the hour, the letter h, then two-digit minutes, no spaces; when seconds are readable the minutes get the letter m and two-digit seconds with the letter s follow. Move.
4h55
